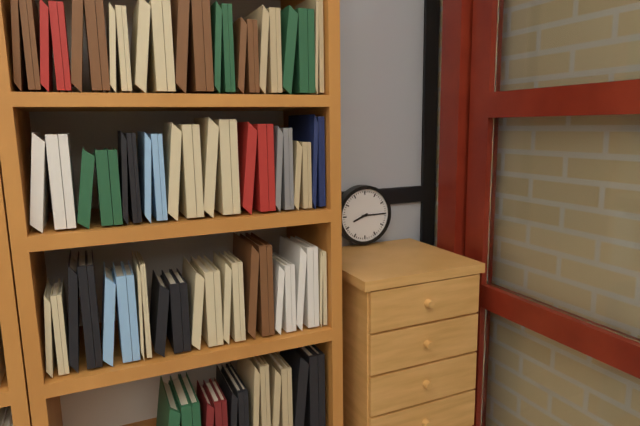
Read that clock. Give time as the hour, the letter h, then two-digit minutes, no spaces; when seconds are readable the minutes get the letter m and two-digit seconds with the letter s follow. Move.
8h15
